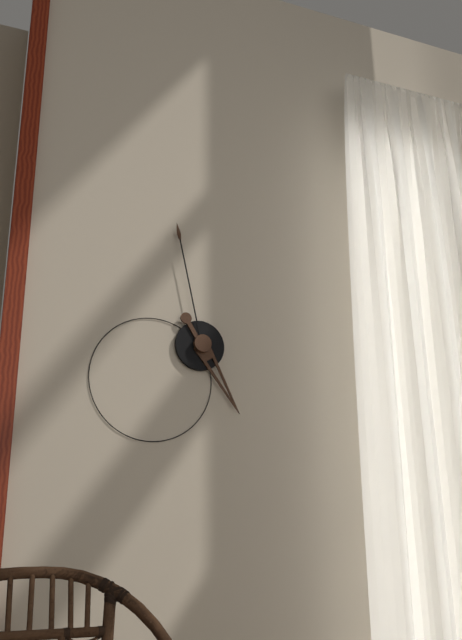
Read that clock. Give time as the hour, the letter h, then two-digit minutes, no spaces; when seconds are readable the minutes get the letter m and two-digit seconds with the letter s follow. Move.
4h58
